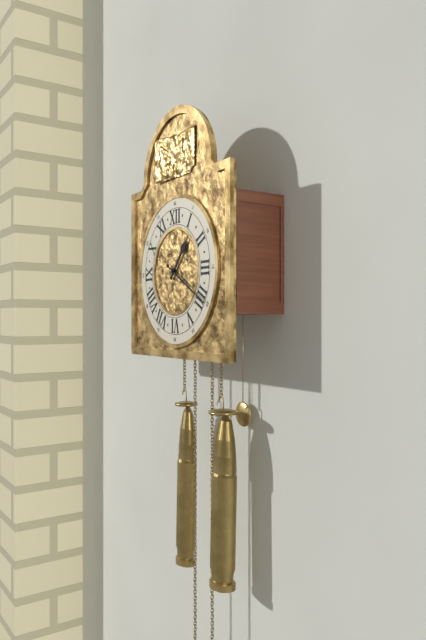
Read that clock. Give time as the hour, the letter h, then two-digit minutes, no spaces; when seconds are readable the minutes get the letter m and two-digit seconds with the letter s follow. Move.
1h20
